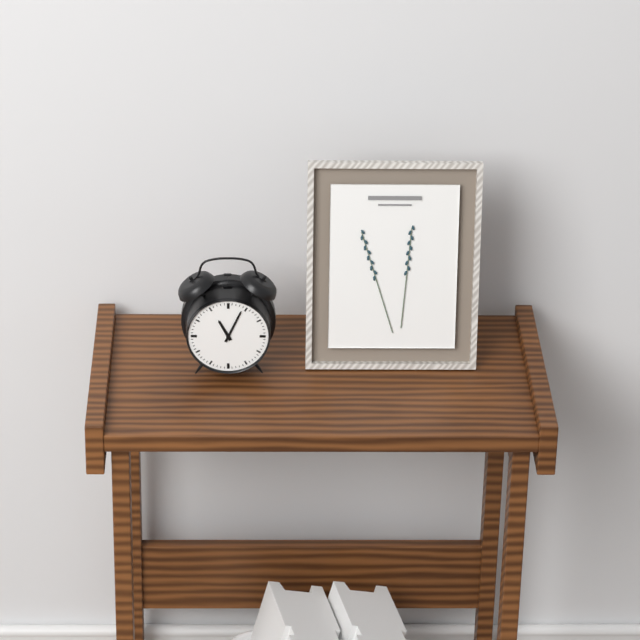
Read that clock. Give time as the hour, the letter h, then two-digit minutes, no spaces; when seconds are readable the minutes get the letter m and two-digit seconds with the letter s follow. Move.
11h04
